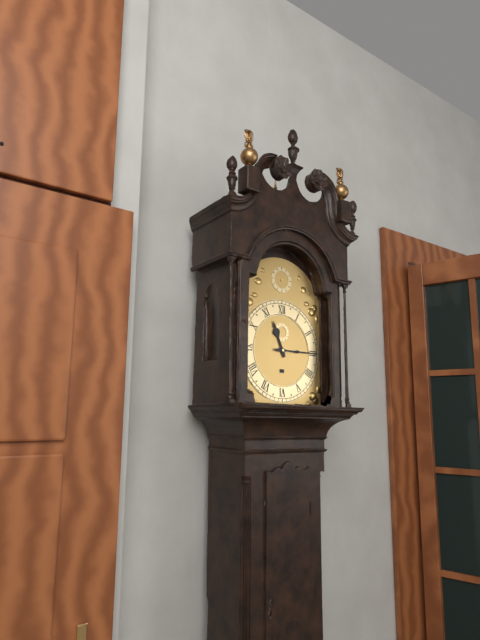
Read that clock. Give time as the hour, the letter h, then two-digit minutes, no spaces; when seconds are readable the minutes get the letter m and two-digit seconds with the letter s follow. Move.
11h15
